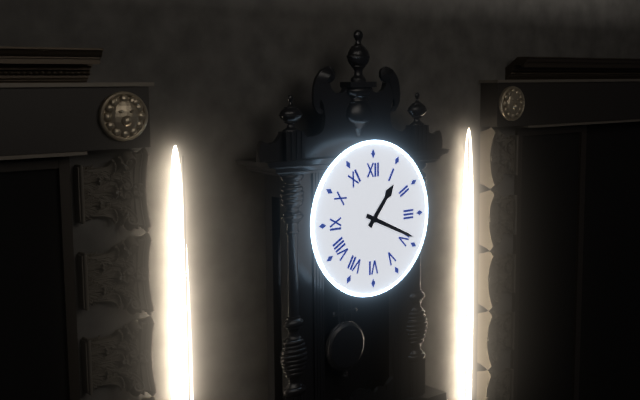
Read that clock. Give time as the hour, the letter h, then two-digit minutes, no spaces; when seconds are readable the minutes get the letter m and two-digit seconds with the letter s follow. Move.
1h19
